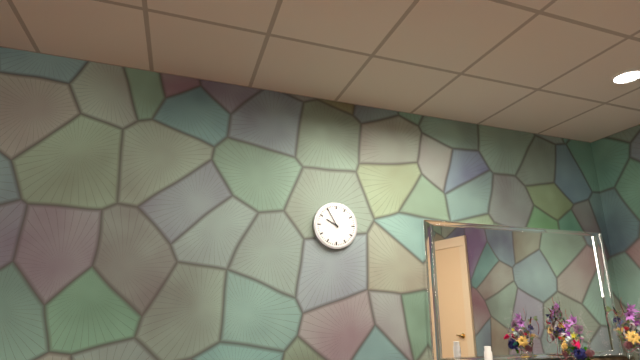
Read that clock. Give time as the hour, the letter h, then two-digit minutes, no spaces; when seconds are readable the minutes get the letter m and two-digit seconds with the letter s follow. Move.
9h55
